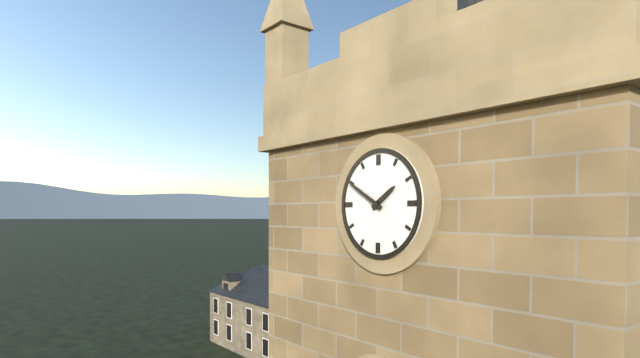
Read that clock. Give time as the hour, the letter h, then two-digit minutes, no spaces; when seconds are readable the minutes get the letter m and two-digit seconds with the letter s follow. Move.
1h50
